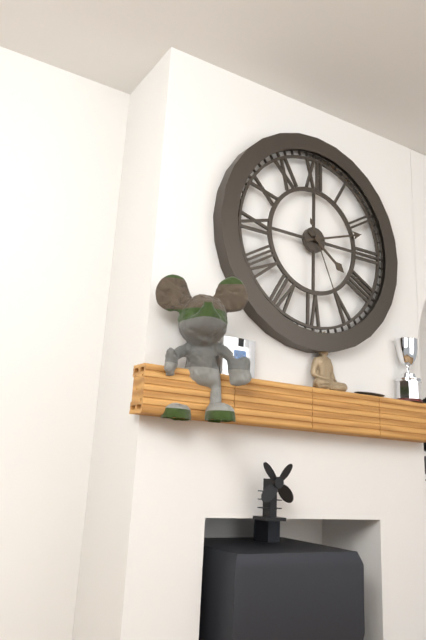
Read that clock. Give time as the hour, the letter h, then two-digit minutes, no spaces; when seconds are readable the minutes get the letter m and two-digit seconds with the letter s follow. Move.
4h12m26s
